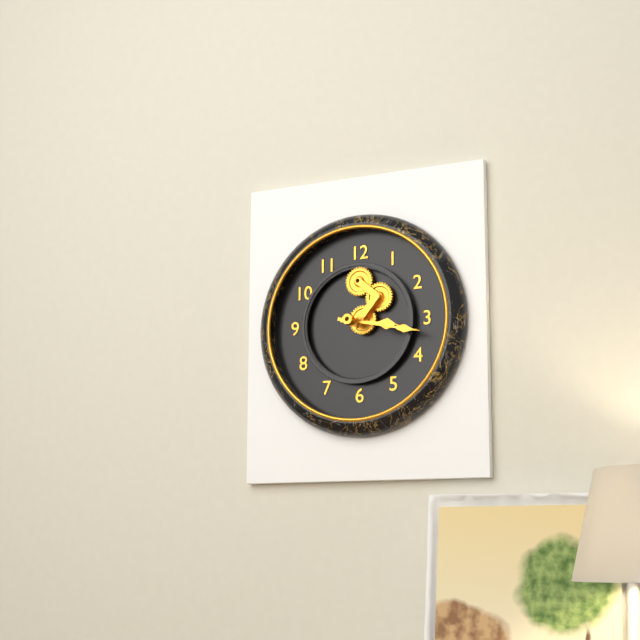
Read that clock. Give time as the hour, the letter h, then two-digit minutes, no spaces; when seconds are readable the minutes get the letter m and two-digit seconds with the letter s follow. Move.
3h17
